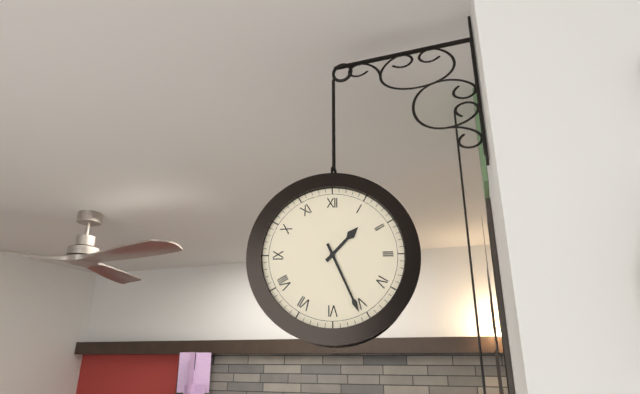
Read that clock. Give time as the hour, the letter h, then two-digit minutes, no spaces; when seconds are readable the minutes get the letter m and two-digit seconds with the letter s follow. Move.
1h26
